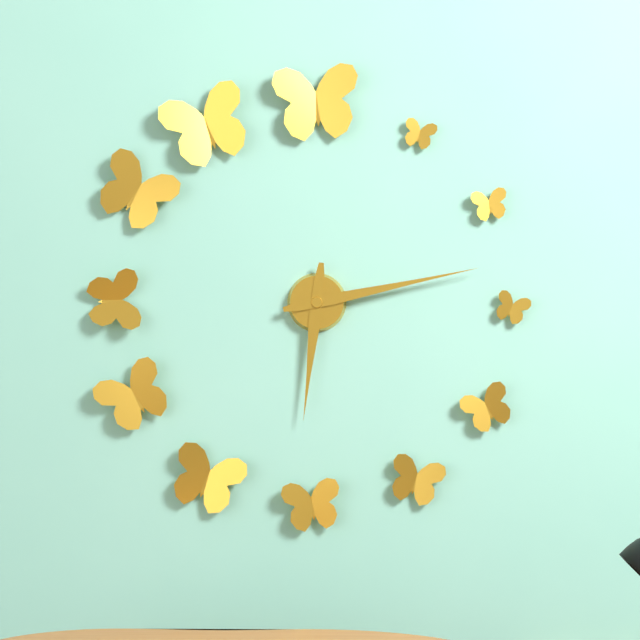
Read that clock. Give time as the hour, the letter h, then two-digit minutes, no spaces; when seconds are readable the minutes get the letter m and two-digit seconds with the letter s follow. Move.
6h13
